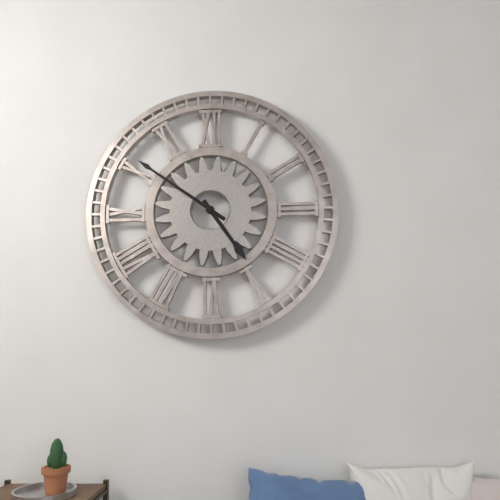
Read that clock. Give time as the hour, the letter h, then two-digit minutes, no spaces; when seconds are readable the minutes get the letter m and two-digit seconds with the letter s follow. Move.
4h51
